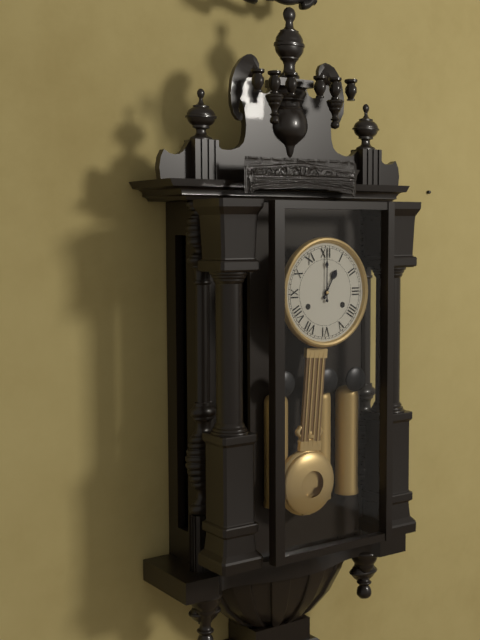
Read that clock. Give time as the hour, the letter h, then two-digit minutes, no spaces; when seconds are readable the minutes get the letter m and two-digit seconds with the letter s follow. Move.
1h00
